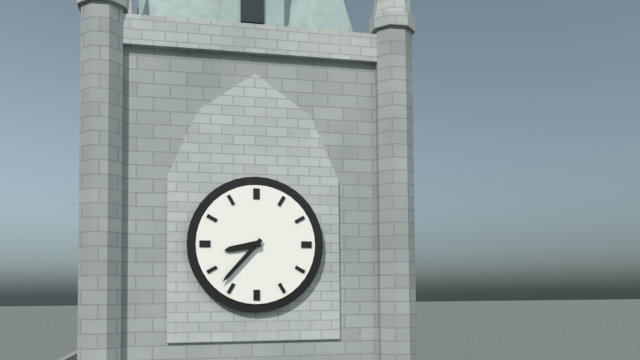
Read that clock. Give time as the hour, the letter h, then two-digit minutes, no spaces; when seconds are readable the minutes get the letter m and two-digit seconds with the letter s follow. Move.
8h37
